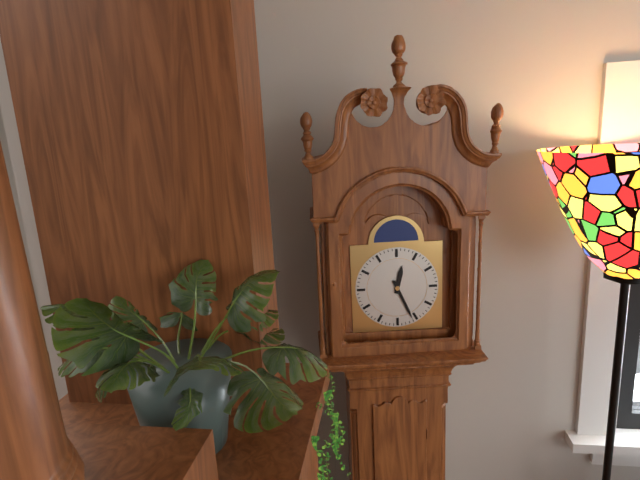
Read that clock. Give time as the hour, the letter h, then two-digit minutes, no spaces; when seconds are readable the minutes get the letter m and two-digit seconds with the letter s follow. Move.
12h26
